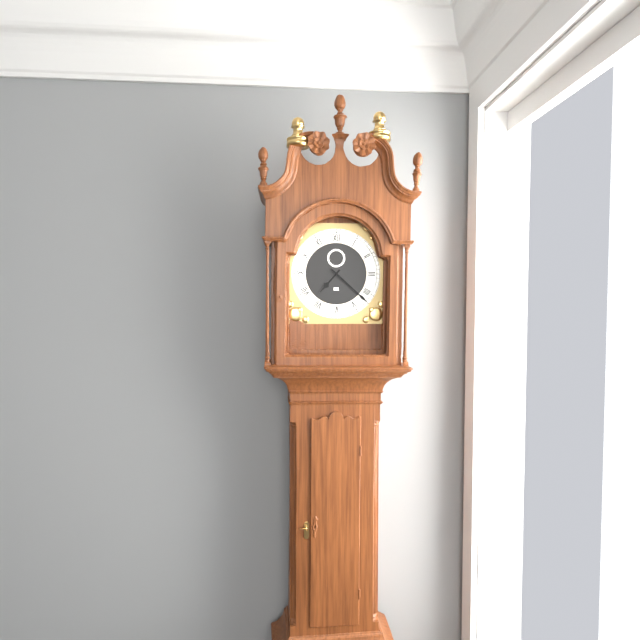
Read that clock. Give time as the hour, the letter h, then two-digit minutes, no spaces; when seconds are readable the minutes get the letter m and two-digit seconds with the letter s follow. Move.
7h22
